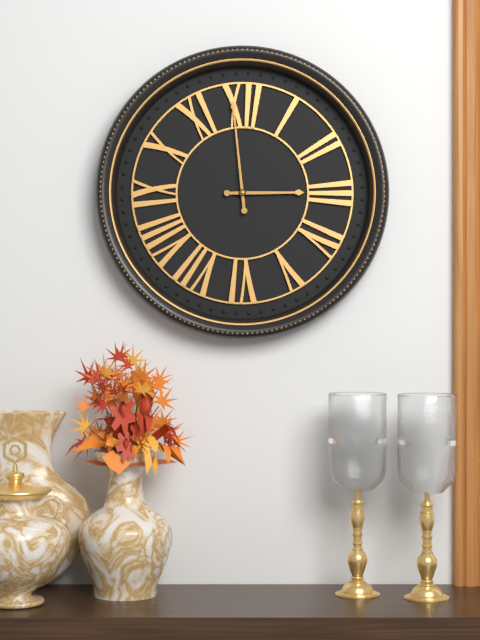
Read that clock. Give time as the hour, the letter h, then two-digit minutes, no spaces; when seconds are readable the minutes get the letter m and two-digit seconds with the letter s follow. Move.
2h59
